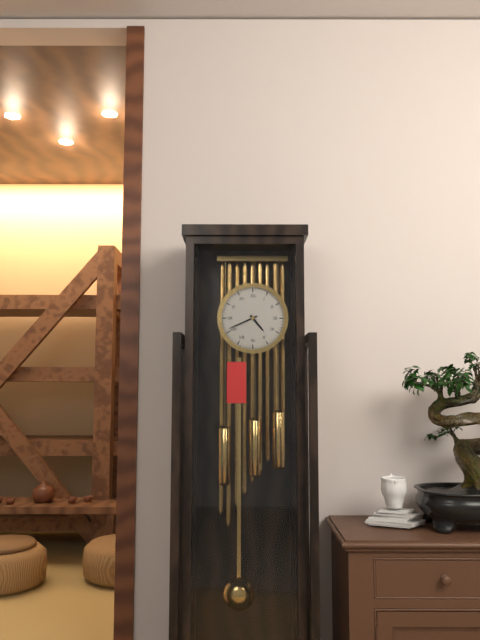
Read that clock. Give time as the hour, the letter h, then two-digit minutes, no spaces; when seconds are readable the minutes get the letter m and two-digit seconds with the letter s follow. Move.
4h41
